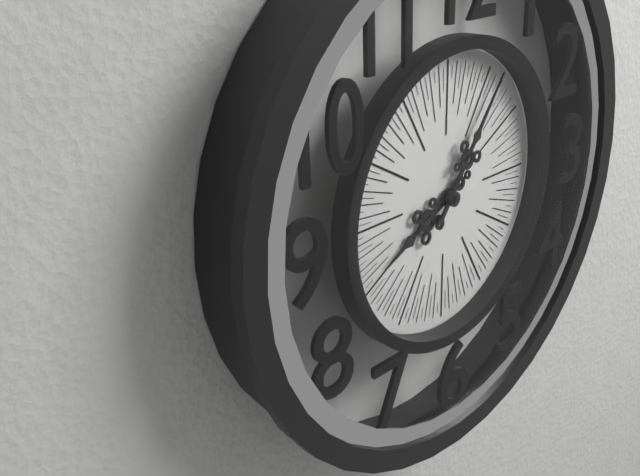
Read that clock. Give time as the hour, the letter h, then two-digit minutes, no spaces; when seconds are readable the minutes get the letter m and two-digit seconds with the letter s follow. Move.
8h06
